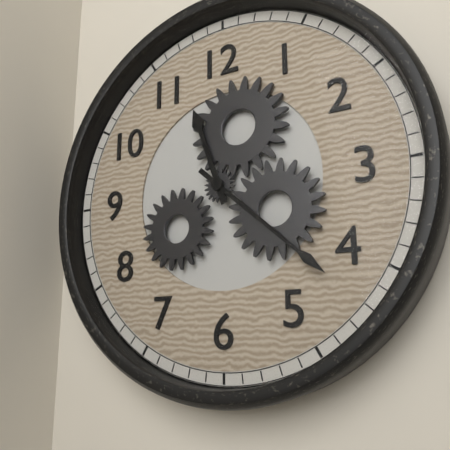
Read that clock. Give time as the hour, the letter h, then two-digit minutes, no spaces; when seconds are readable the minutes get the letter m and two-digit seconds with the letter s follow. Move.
11h22
